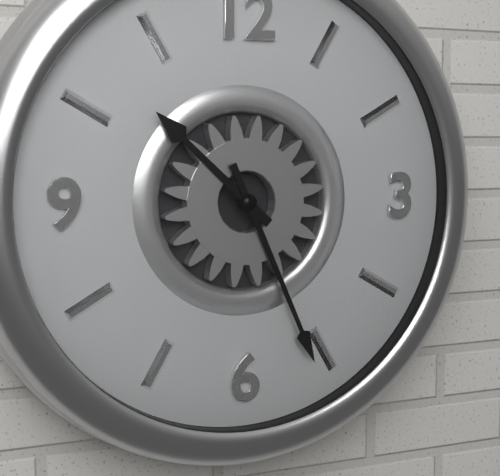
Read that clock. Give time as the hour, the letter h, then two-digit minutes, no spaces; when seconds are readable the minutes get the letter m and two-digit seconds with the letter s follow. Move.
10h26
